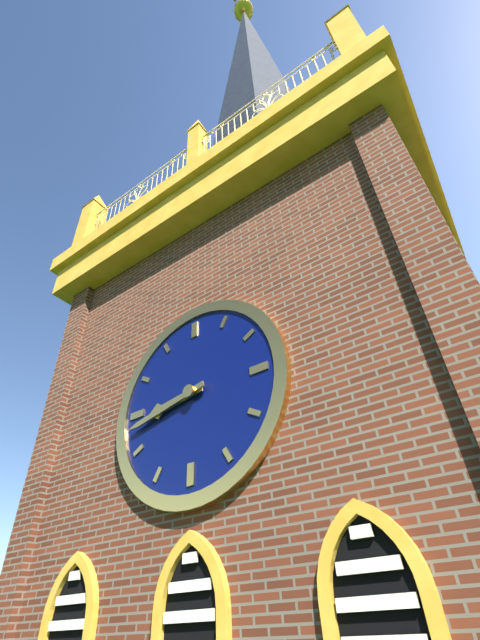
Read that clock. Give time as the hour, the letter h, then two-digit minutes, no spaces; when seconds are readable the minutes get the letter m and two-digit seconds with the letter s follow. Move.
8h43
